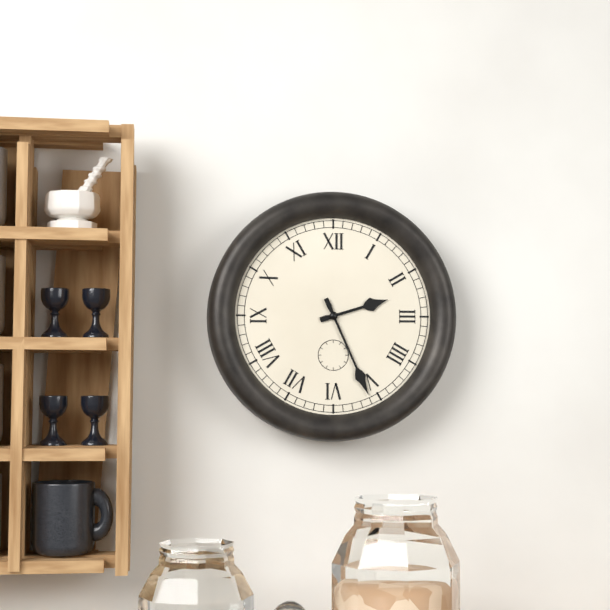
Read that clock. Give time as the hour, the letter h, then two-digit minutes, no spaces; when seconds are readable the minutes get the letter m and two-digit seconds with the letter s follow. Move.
2h26
